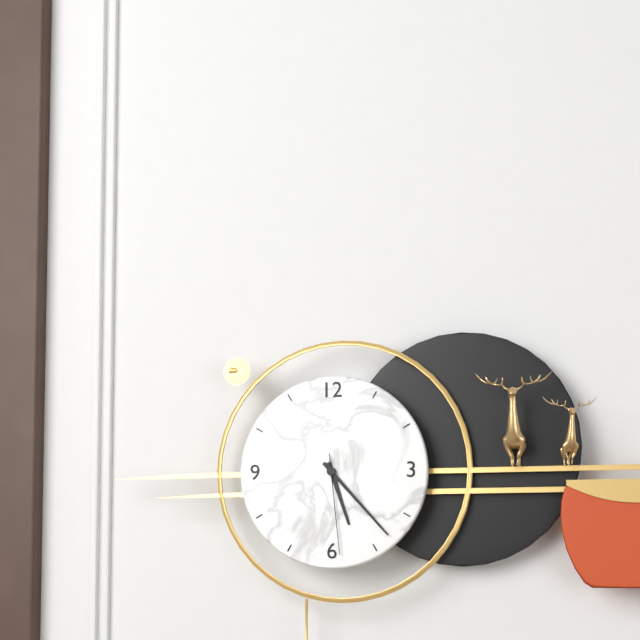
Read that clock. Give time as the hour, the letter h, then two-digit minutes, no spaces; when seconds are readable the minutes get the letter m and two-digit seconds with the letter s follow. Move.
5h23m29s
